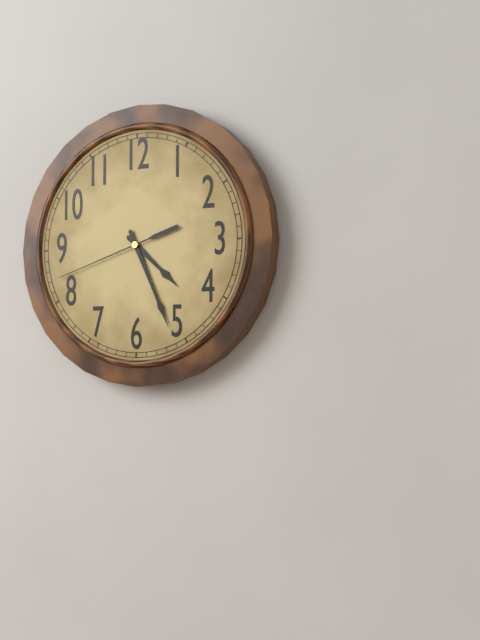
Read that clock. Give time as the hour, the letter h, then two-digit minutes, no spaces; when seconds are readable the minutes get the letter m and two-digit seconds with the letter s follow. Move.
4h26m42s
